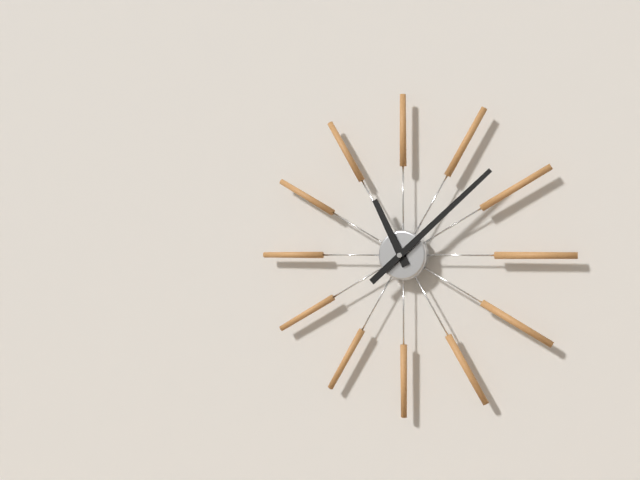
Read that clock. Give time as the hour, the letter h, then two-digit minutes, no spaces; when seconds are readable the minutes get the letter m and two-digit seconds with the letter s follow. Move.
11h08
